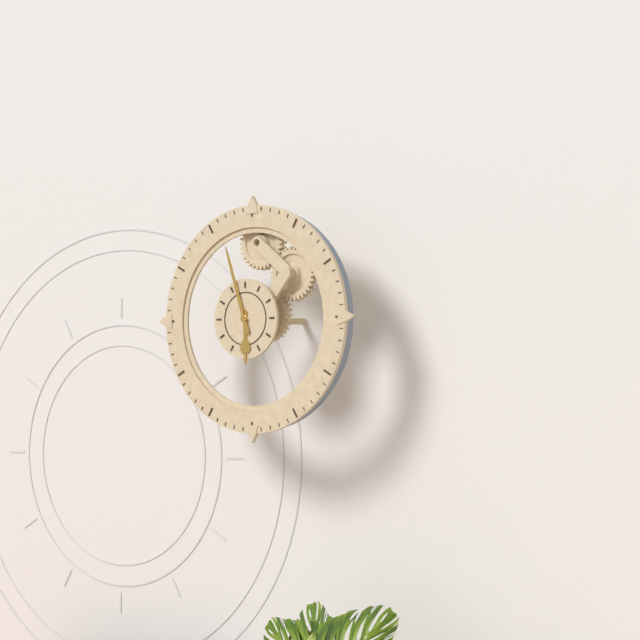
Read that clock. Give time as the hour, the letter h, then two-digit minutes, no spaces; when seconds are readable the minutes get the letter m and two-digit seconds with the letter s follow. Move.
5h57
